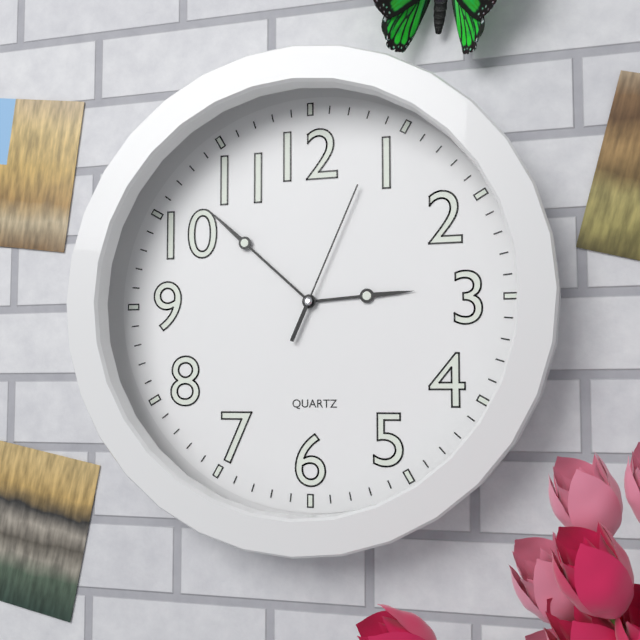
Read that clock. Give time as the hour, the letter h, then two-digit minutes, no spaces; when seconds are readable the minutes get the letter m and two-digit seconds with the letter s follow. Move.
2h52m04s
